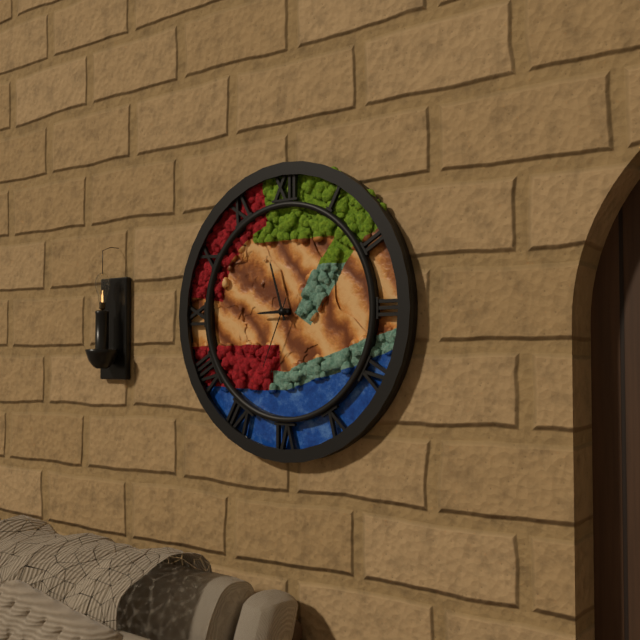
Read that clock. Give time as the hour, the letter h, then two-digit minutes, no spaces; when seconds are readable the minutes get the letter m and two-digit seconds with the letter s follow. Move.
8h57m34s
